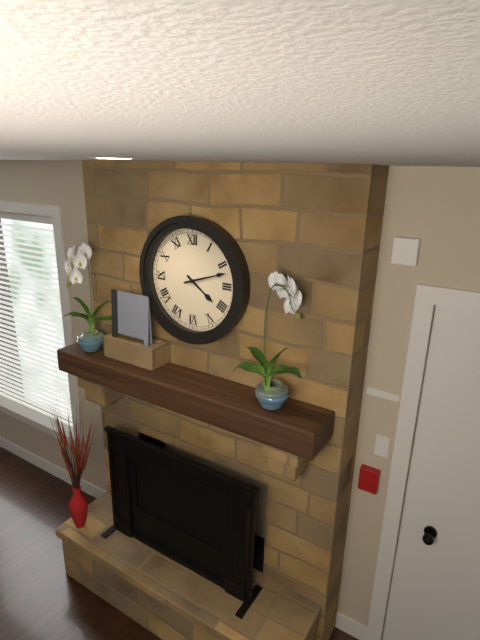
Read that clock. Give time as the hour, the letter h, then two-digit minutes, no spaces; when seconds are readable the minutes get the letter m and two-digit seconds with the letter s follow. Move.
4h12
